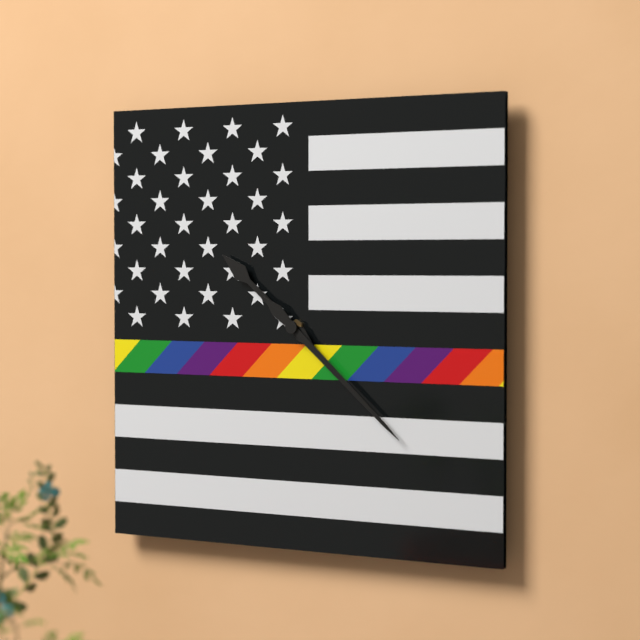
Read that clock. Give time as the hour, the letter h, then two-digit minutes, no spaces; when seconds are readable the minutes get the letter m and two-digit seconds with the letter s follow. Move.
10h22
